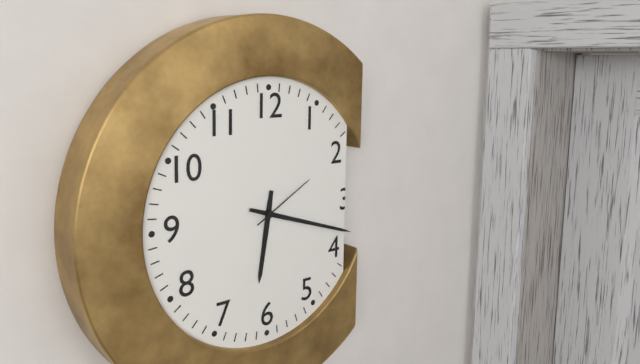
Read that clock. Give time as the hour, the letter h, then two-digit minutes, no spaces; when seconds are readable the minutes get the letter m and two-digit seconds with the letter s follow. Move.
6h18m10s
